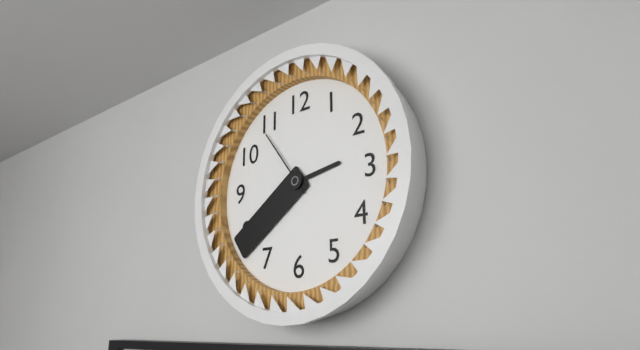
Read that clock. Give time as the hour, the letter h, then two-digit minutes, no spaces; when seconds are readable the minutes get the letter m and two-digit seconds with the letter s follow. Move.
2h39m54s
